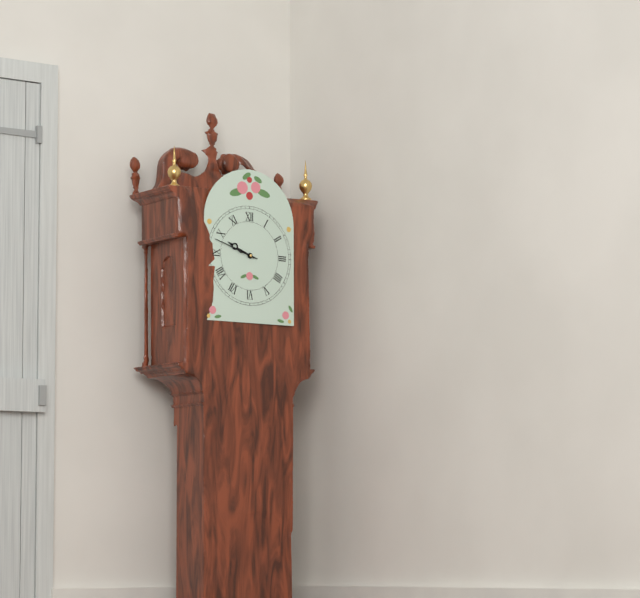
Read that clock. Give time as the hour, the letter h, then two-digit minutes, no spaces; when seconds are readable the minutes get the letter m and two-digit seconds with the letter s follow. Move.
9h48
